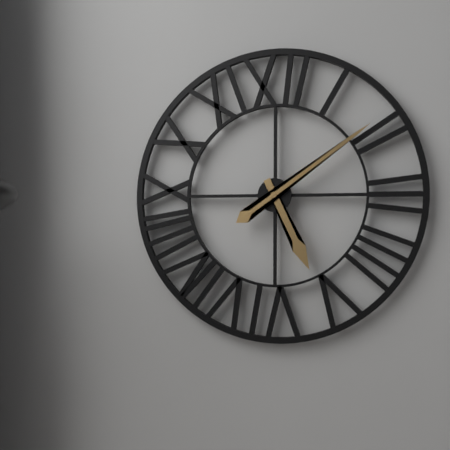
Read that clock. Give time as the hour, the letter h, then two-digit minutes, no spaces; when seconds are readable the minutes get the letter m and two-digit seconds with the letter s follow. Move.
5h09
